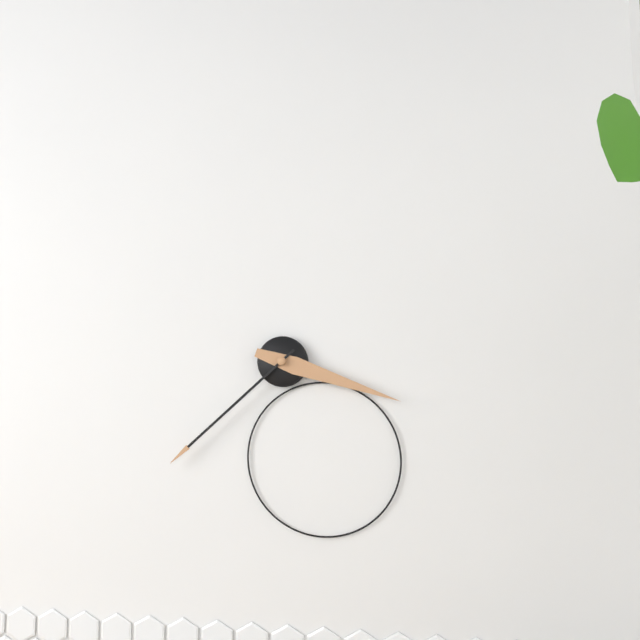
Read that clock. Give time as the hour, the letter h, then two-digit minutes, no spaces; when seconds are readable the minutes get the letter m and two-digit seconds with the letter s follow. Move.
3h38
